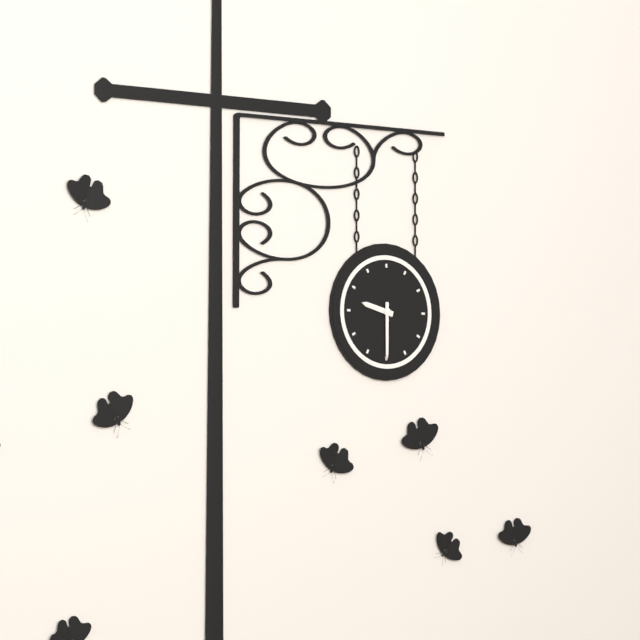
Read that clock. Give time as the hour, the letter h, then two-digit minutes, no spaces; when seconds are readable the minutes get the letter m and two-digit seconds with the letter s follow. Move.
9h30
